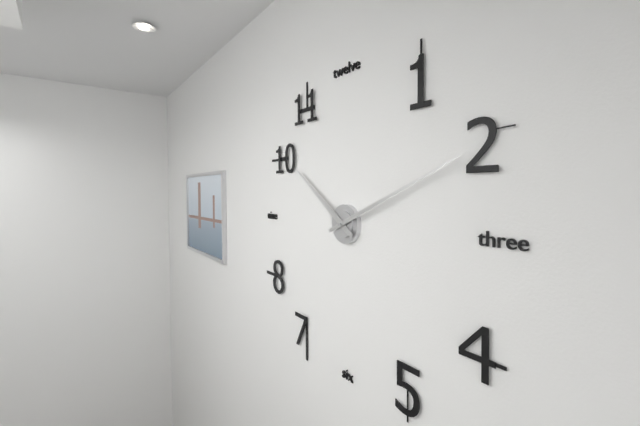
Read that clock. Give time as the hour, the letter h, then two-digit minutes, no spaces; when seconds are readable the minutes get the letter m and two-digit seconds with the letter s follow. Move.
10h11
